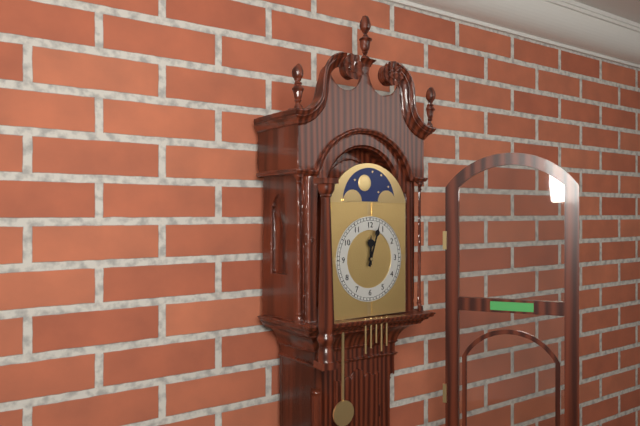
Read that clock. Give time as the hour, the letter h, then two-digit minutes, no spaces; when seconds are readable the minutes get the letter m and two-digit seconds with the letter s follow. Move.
12h03
